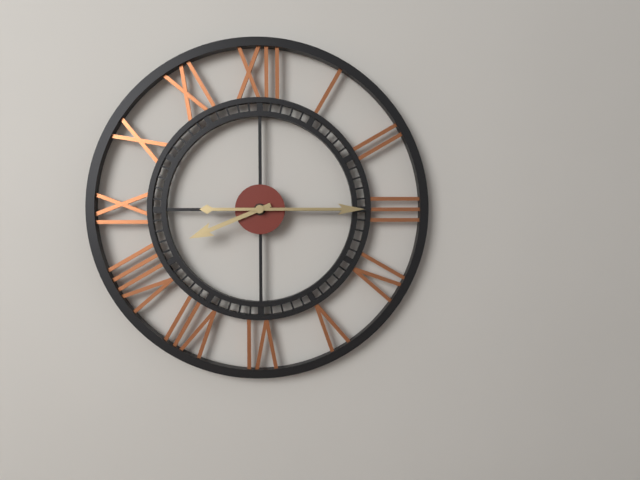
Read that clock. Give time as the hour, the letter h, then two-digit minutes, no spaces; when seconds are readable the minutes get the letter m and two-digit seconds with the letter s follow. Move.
8h15
